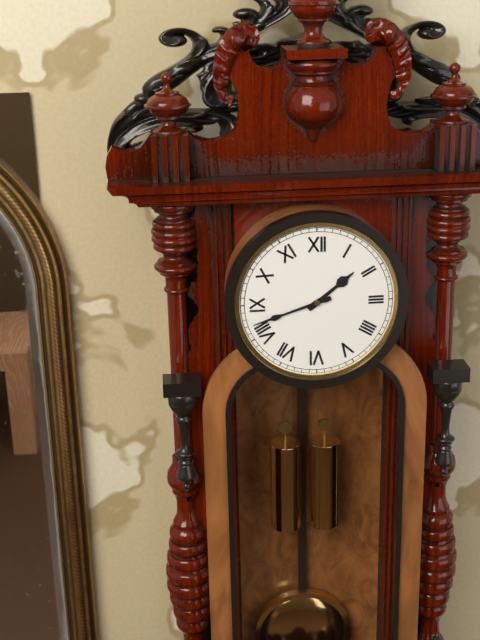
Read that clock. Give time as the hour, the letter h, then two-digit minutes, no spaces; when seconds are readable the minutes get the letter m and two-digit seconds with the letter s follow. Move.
1h42
